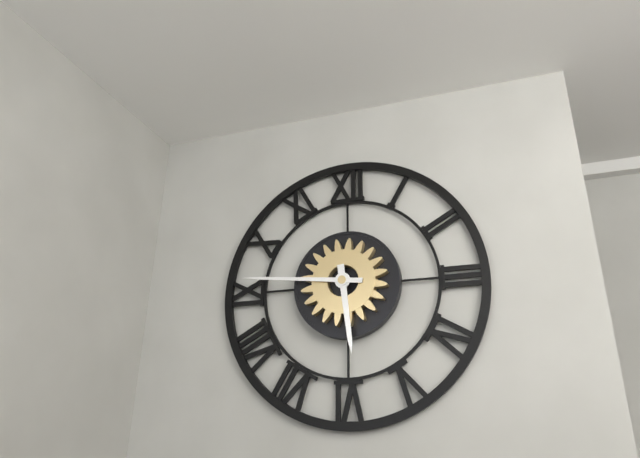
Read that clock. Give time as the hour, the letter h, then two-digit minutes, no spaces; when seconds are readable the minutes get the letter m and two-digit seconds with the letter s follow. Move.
5h46
